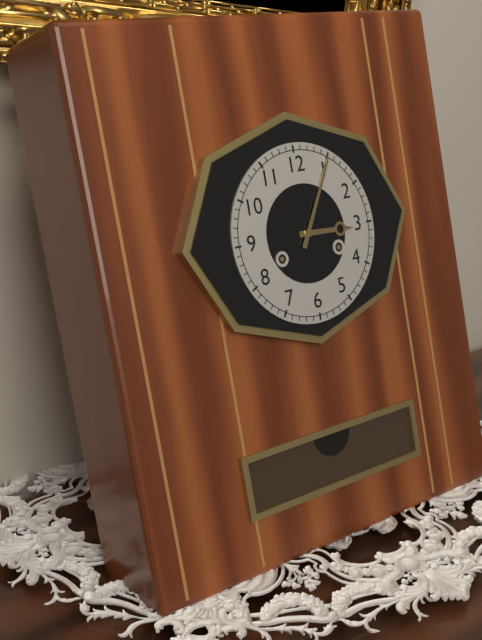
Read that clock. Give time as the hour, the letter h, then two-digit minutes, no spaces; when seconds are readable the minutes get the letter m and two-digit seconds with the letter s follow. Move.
3h05
